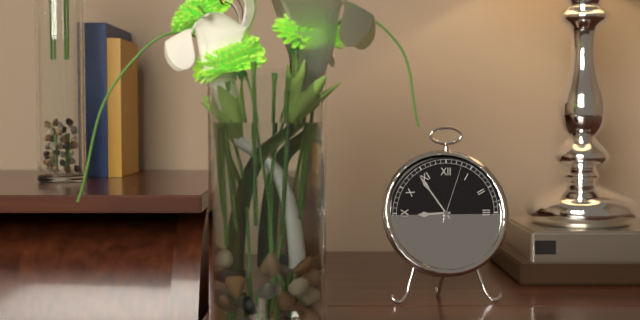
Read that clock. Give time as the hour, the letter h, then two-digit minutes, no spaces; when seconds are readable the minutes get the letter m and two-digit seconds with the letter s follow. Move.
8h54m03s
